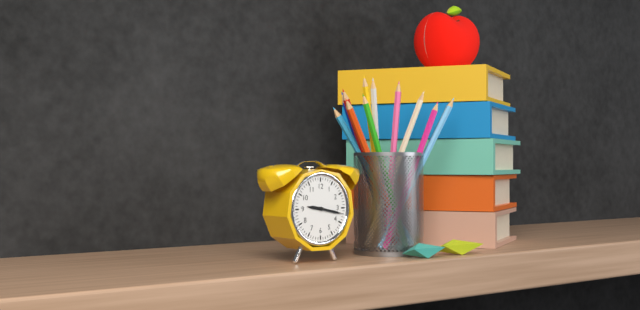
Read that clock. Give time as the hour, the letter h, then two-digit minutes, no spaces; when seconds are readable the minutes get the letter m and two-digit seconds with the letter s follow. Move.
9h17
